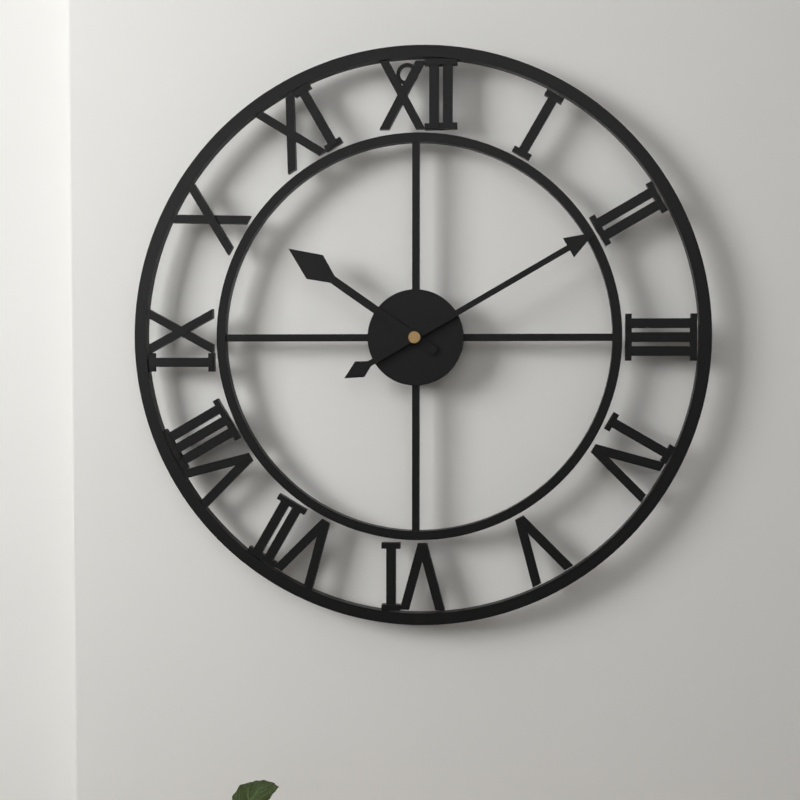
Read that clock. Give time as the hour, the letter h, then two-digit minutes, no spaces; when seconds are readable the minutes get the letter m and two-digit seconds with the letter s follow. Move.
10h10
